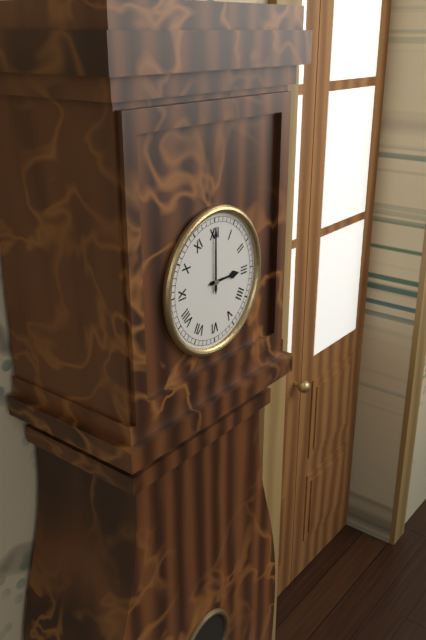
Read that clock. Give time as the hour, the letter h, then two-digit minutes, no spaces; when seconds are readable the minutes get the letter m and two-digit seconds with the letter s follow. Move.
3h00
